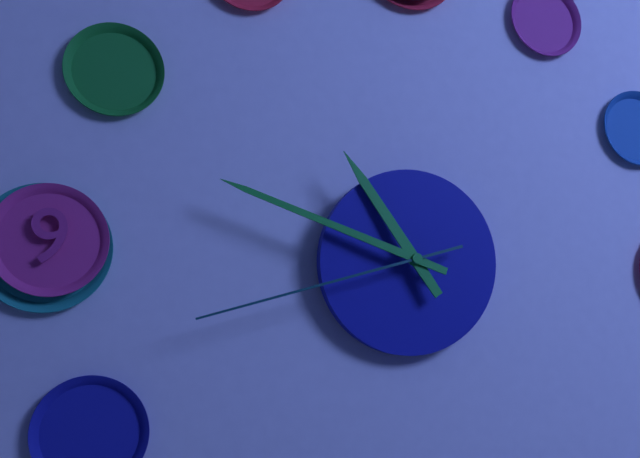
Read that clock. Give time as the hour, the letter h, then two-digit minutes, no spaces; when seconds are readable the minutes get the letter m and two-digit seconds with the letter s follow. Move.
10h48m42s
